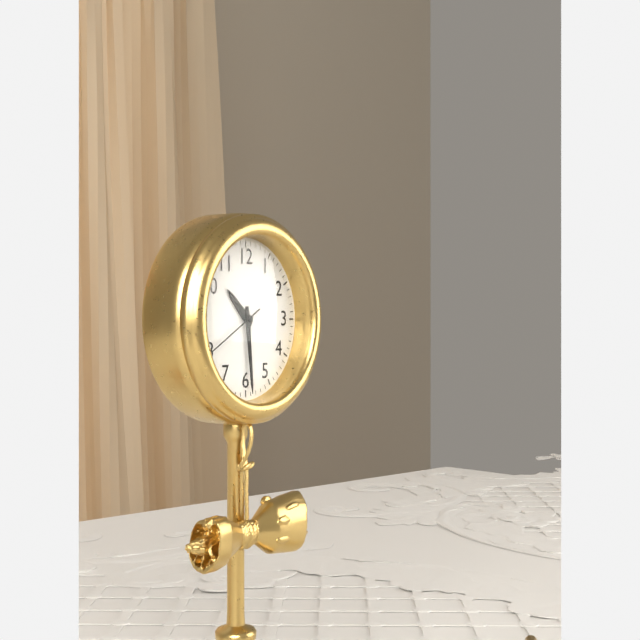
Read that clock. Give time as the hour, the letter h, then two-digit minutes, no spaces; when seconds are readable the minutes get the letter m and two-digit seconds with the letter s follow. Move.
10h29m40s
